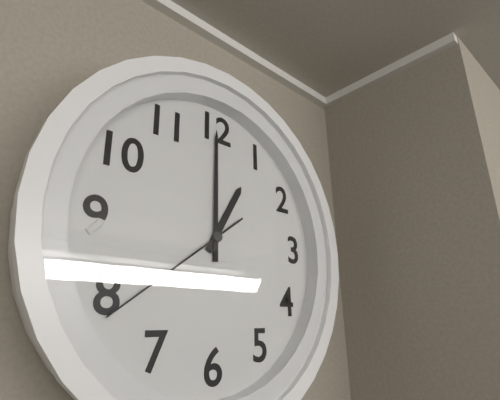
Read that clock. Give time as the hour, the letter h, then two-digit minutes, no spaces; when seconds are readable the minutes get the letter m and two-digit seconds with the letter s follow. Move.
1h00m39s
